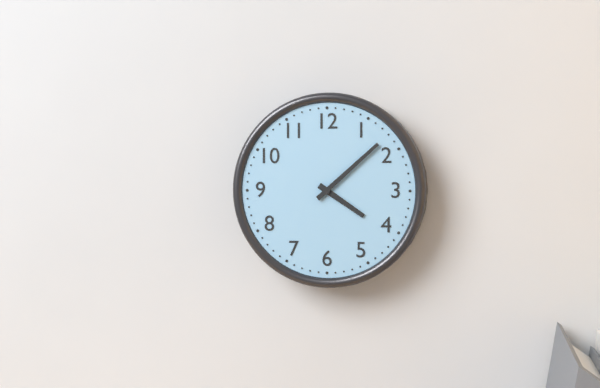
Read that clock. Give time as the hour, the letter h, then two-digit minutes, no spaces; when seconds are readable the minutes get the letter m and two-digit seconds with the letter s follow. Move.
4h08
